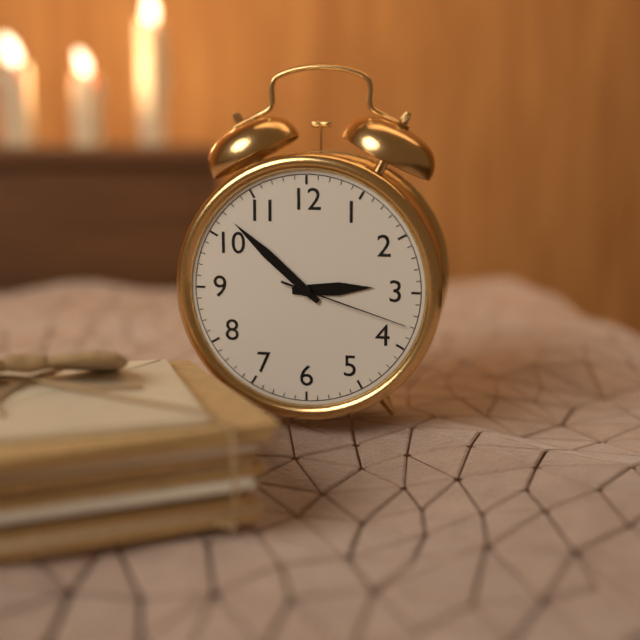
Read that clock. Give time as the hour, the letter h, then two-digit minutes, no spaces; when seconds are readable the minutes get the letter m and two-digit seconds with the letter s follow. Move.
2h52m18s
